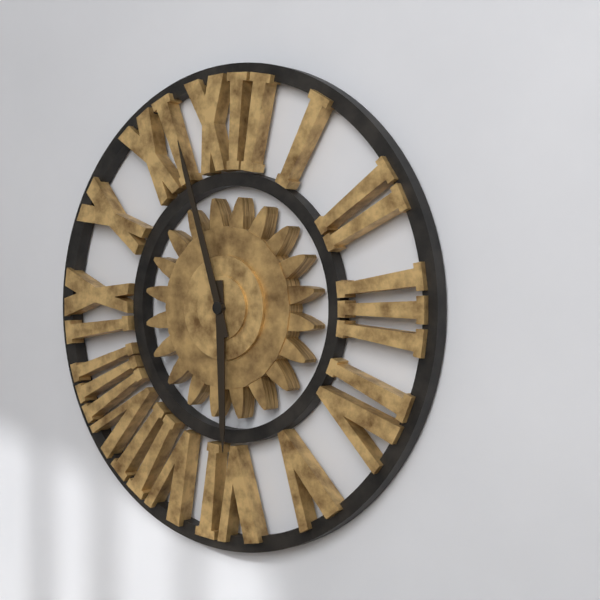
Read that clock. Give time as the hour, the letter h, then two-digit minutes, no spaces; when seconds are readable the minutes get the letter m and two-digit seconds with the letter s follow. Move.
5h57
